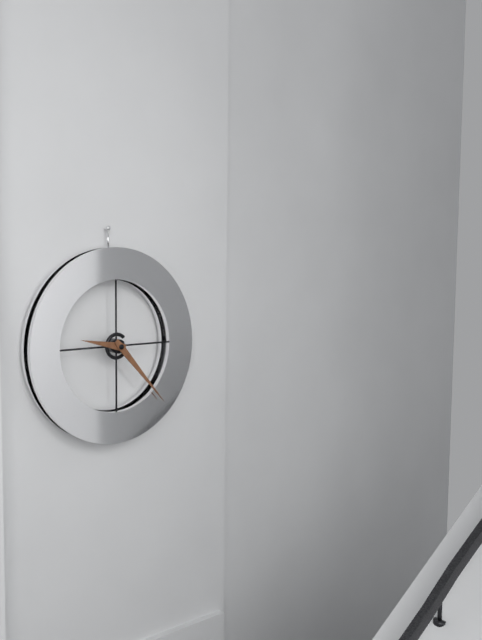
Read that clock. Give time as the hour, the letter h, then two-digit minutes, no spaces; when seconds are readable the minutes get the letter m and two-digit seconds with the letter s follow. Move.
9h23
